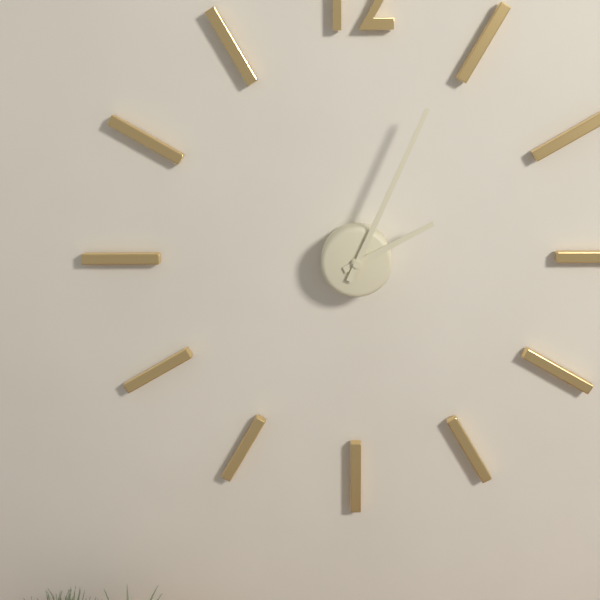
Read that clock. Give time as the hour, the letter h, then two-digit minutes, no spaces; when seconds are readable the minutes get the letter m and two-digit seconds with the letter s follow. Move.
2h04
